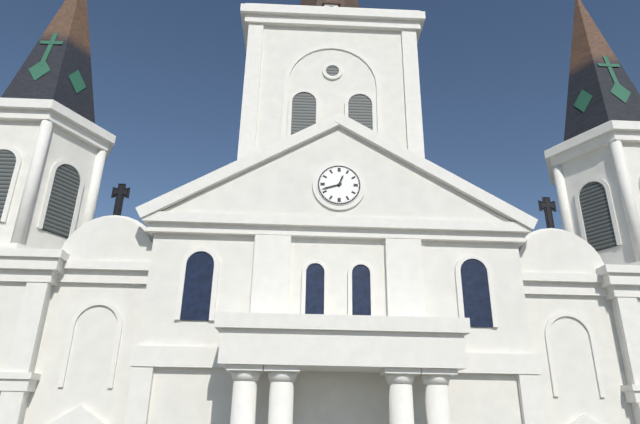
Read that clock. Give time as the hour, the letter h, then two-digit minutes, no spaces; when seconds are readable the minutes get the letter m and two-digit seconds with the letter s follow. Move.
12h42
